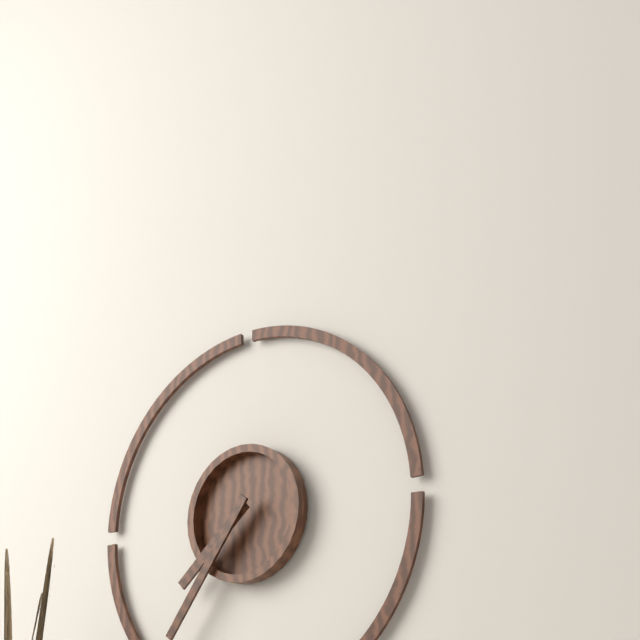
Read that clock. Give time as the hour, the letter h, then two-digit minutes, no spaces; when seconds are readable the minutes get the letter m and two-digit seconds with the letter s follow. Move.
7h36
